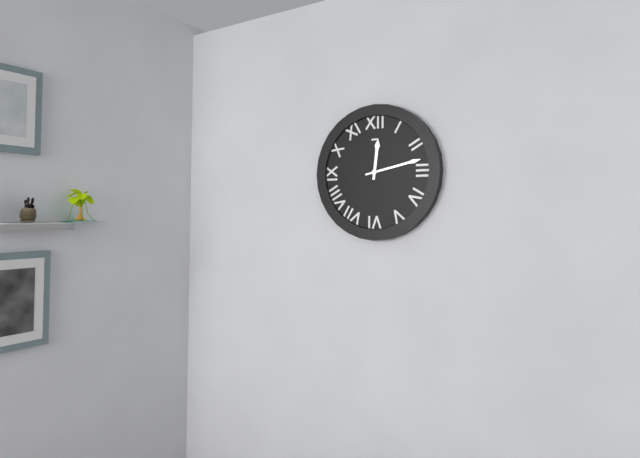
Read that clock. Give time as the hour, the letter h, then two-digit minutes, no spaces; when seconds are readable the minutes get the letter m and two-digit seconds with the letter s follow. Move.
12h13
